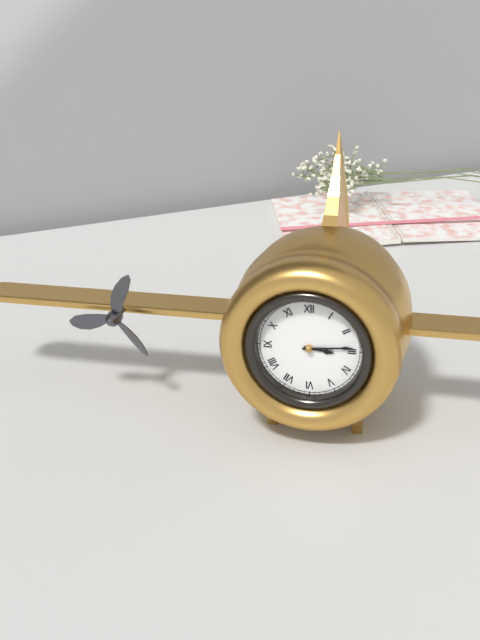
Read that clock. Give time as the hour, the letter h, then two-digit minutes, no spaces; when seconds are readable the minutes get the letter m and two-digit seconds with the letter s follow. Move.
3h14
